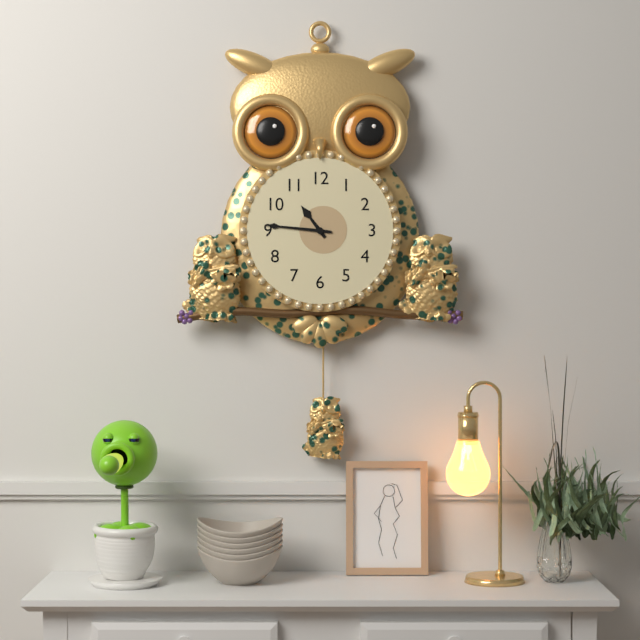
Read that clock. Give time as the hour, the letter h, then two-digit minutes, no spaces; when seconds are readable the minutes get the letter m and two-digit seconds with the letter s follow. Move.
10h46
